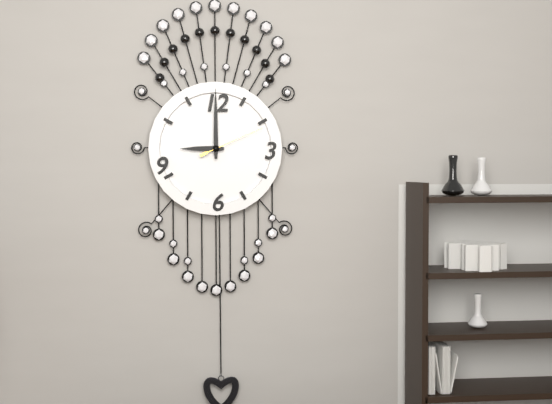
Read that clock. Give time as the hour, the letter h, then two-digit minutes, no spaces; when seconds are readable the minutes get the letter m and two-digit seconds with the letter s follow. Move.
9h00m11s
